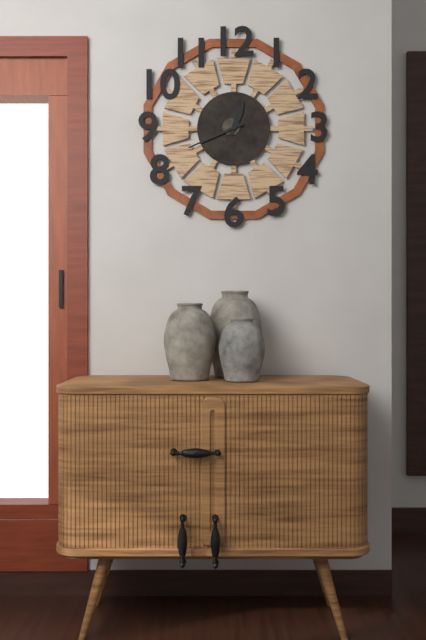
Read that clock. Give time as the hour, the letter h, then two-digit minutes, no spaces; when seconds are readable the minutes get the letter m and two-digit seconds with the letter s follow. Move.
12h41
